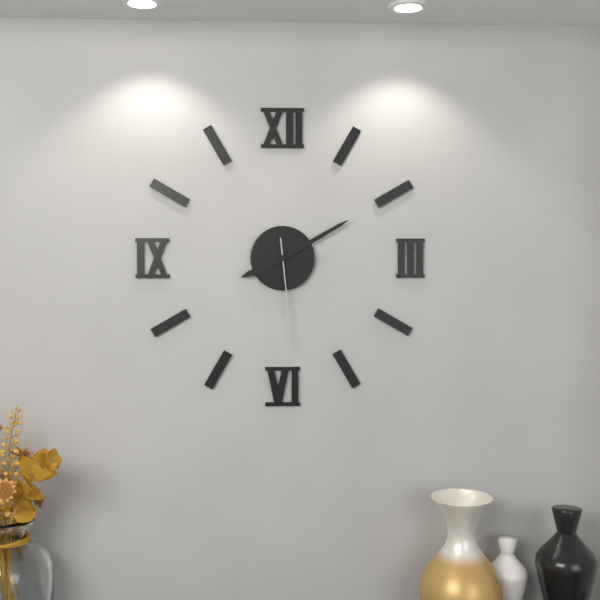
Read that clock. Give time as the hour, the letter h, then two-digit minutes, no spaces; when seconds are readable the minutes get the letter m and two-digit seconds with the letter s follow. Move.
8h10m29s
